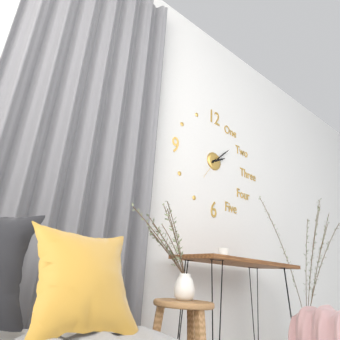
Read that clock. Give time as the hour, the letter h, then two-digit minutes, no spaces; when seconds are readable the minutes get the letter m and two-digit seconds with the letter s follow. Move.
2h08
